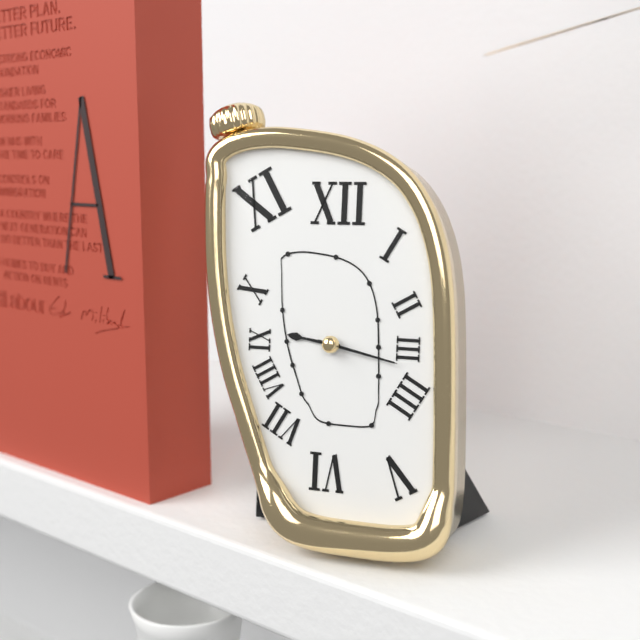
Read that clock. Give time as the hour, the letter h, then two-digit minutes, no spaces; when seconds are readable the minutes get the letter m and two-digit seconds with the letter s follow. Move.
9h17
